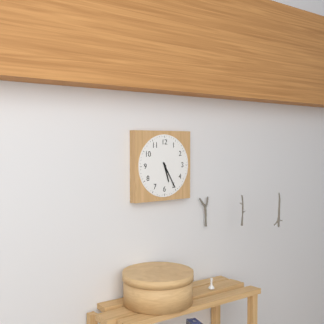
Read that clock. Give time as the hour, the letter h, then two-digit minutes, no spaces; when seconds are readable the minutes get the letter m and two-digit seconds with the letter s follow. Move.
5h25
